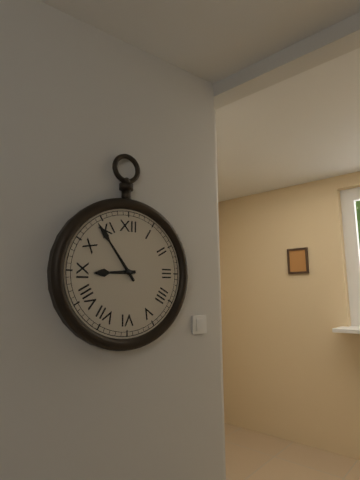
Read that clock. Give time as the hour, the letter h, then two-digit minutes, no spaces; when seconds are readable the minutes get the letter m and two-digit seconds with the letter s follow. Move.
8h54
